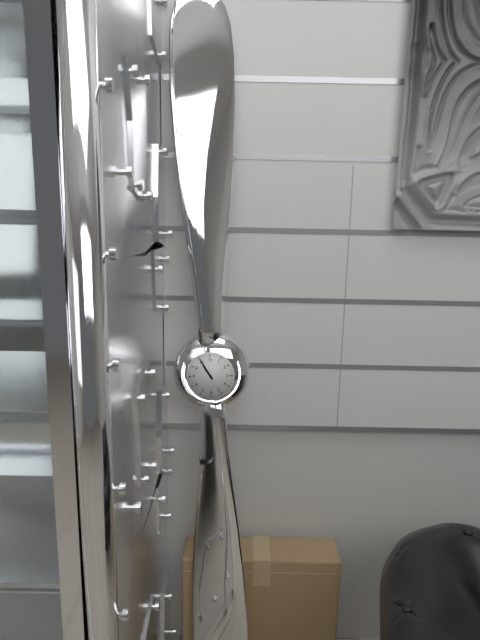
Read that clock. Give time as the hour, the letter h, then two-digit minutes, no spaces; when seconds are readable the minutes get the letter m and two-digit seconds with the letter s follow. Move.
10h55
